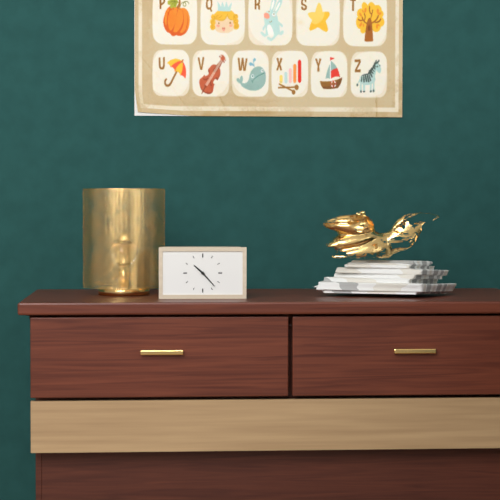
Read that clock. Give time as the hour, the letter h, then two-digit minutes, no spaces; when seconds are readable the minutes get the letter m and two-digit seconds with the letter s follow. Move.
10h23
